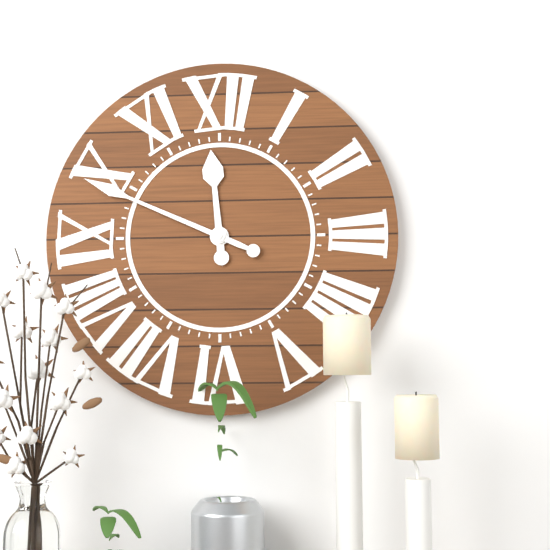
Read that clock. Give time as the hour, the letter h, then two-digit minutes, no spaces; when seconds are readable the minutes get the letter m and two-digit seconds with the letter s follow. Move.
11h49
